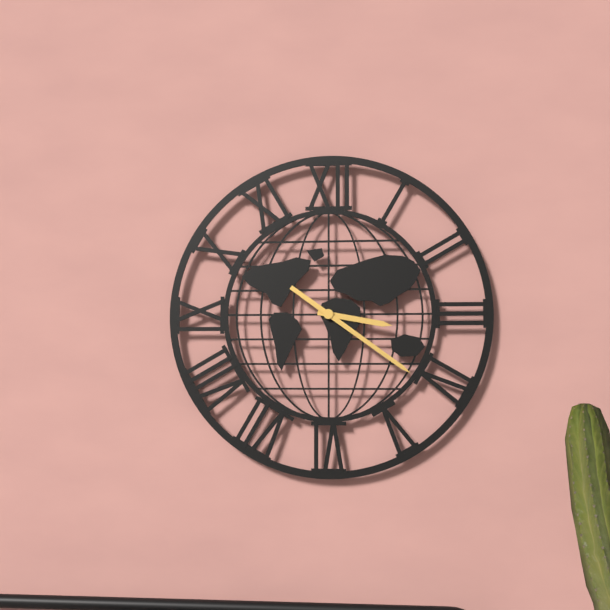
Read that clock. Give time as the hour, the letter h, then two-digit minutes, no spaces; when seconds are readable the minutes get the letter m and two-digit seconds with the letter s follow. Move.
3h21
